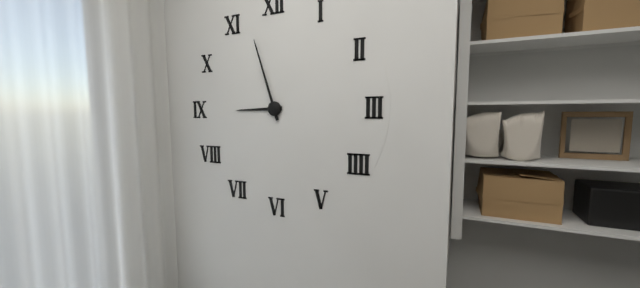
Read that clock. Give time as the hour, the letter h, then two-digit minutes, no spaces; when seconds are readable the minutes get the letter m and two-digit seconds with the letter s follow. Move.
8h57
